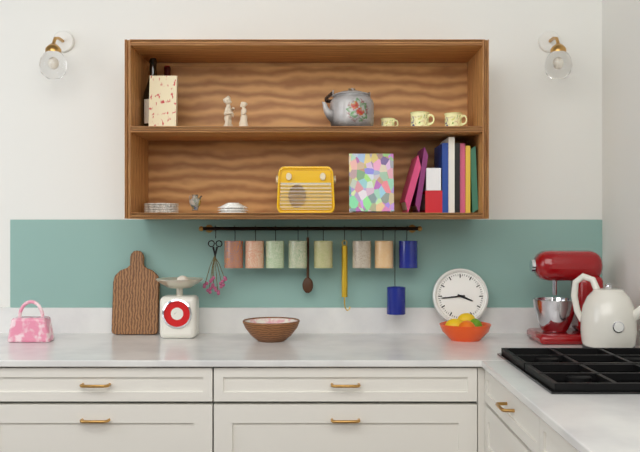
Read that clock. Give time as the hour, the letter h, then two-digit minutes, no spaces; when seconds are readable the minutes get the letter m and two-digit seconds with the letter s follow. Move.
3h44
